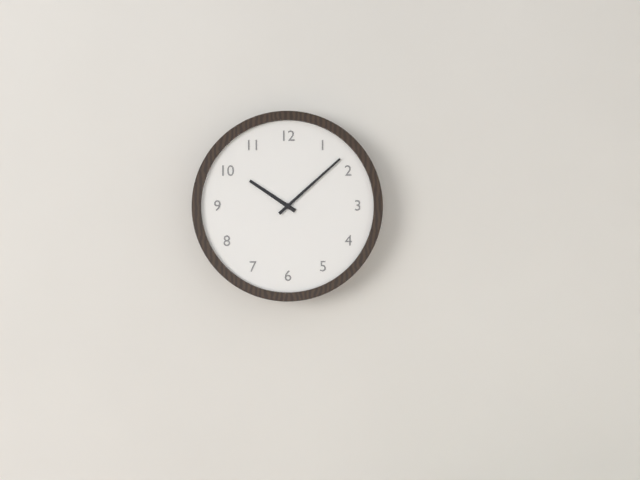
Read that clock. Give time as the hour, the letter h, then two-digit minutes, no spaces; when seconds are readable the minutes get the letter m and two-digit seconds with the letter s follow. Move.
10h08
